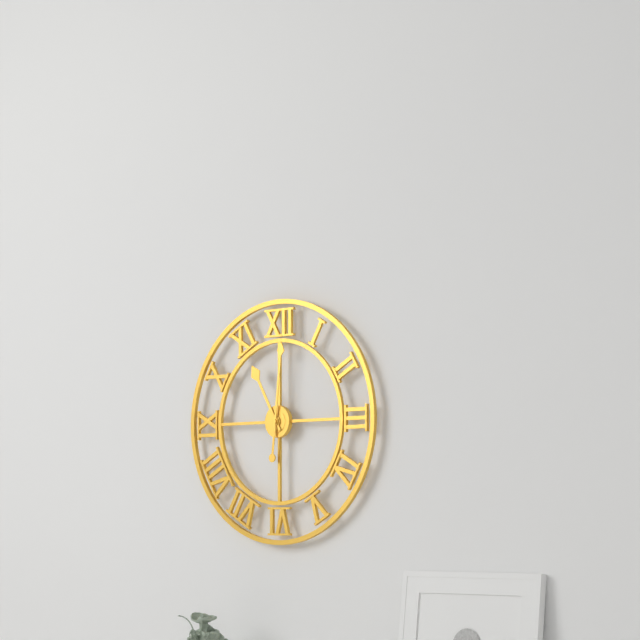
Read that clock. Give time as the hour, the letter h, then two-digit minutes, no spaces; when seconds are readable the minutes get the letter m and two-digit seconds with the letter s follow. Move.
11h01
